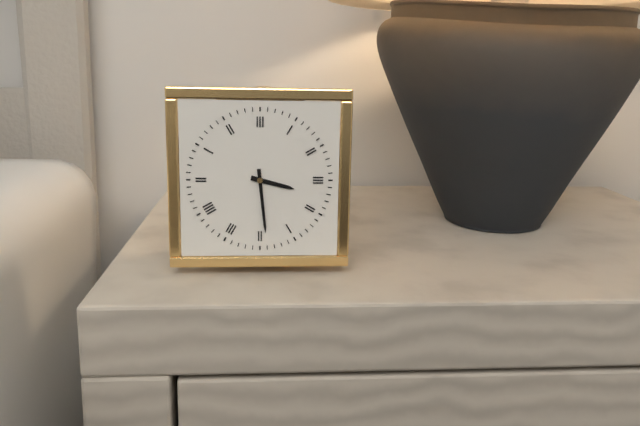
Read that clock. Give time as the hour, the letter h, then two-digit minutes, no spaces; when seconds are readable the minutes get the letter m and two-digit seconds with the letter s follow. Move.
3h29
